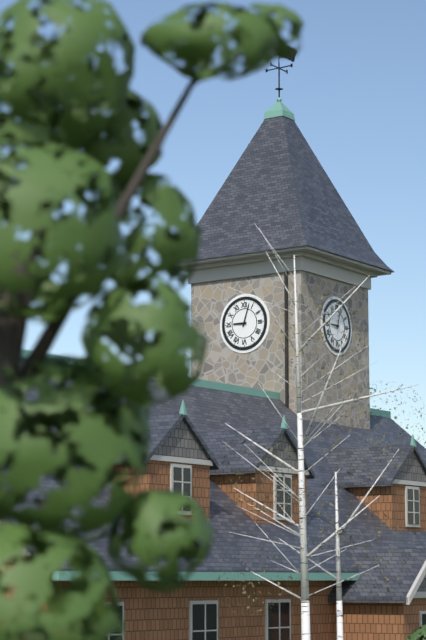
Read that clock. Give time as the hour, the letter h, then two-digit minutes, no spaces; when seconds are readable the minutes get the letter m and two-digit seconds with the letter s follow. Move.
9h03
